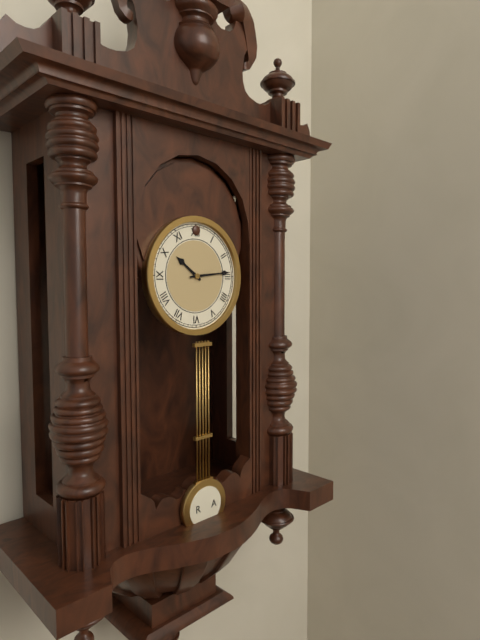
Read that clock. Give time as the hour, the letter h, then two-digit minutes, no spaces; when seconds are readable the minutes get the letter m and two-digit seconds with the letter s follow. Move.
10h14
